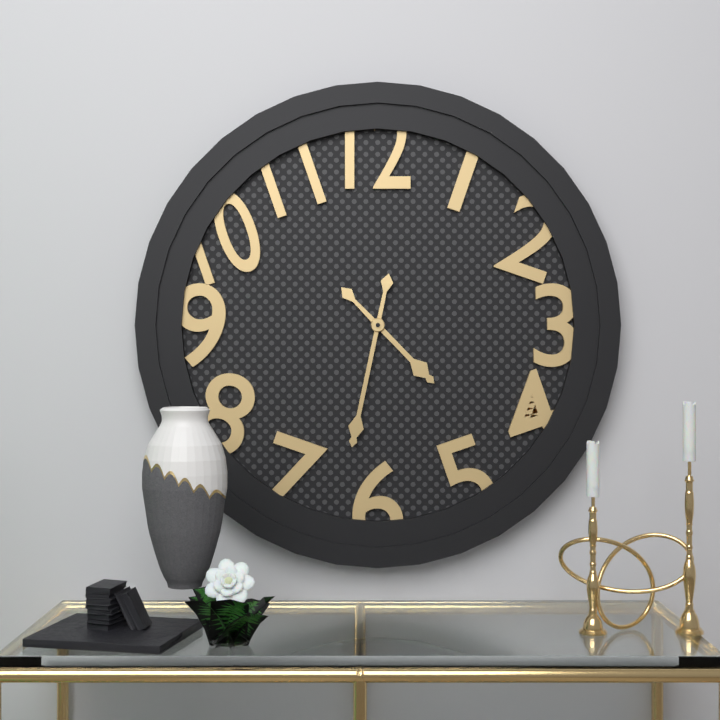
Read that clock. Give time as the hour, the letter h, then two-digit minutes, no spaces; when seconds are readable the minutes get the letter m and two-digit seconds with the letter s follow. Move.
4h32
